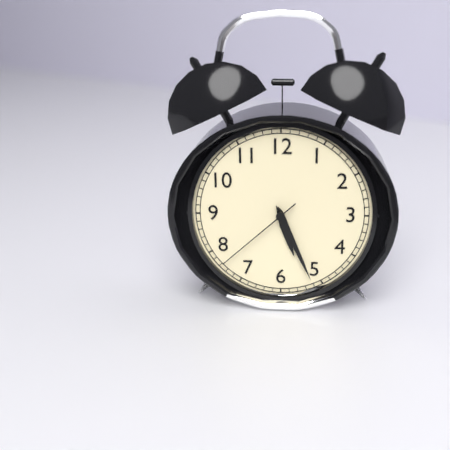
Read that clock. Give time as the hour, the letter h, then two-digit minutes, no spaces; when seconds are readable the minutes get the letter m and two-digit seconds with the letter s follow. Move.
5h26m38s
